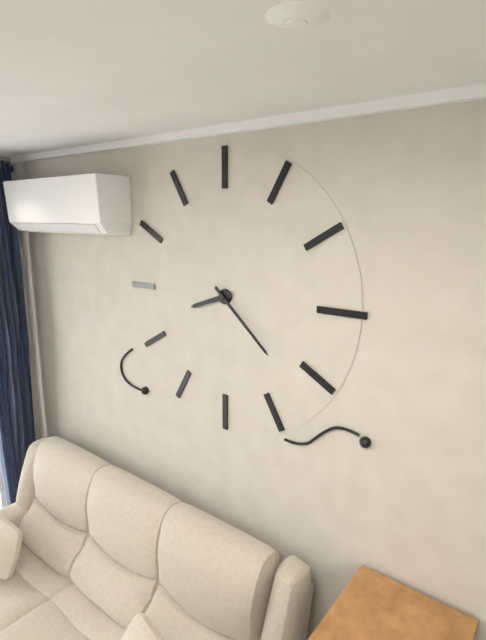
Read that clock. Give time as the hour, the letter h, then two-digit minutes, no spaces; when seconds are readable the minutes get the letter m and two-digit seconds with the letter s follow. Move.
8h22
